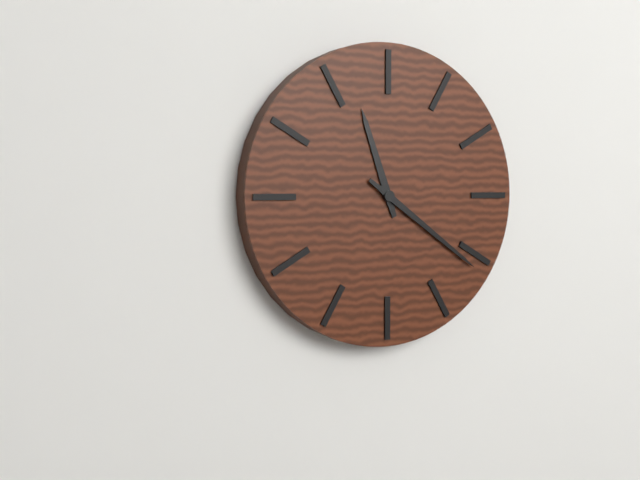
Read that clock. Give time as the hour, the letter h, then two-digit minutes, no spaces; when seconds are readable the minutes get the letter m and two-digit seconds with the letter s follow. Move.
11h21
